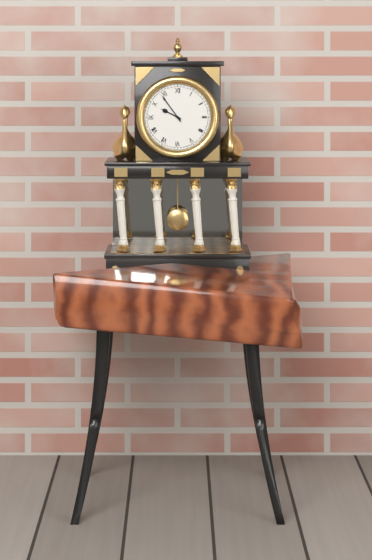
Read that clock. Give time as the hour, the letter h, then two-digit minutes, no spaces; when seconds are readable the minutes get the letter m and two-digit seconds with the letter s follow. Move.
9h54
